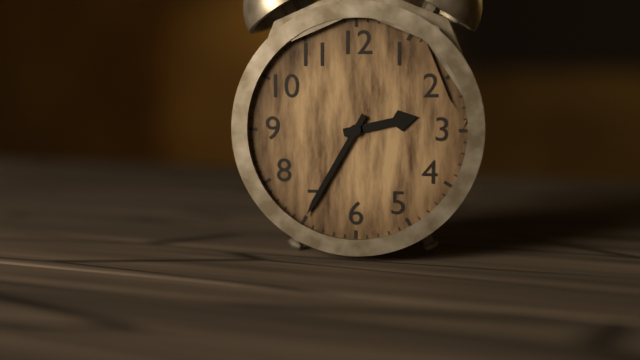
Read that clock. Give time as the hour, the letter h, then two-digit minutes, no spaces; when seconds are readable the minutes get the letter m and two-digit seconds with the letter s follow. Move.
2h35
